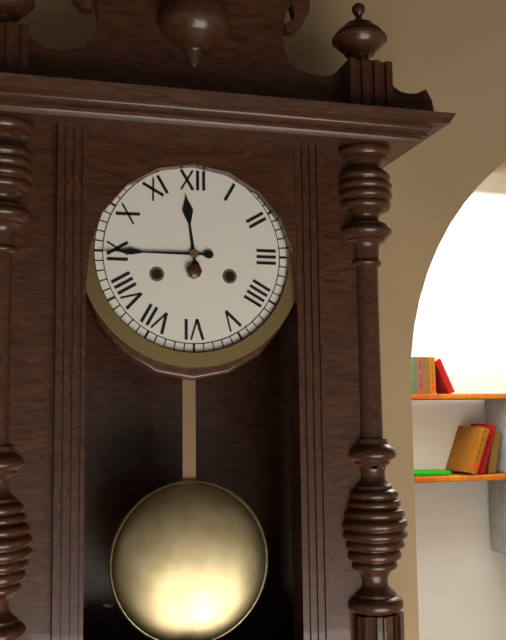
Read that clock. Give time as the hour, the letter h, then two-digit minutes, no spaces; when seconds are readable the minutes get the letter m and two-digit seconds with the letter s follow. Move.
11h45
